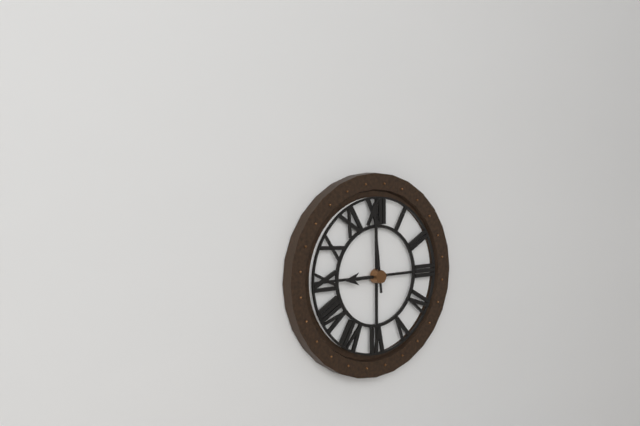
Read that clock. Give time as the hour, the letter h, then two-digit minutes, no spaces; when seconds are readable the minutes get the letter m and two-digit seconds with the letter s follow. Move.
8h59
